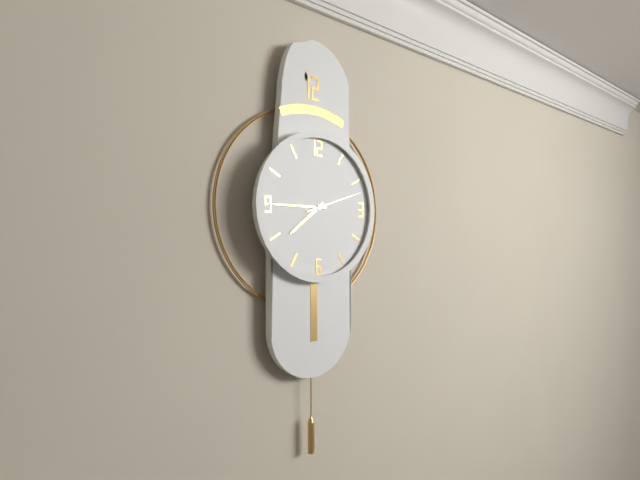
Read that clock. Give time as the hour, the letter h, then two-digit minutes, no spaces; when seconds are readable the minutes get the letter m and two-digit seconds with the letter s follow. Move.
7h45m12s
